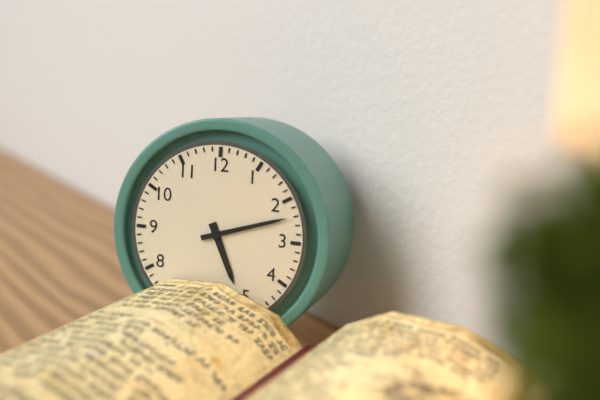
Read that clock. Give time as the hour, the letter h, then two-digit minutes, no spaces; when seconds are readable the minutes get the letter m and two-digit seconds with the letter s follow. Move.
5h12
